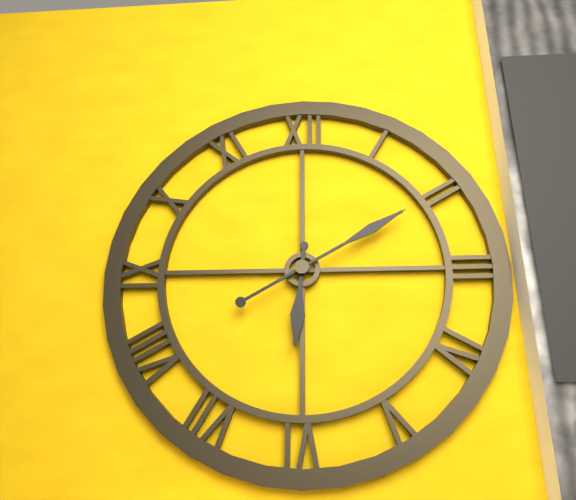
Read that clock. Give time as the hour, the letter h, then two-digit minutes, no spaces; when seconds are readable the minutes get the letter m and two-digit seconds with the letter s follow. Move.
6h10
